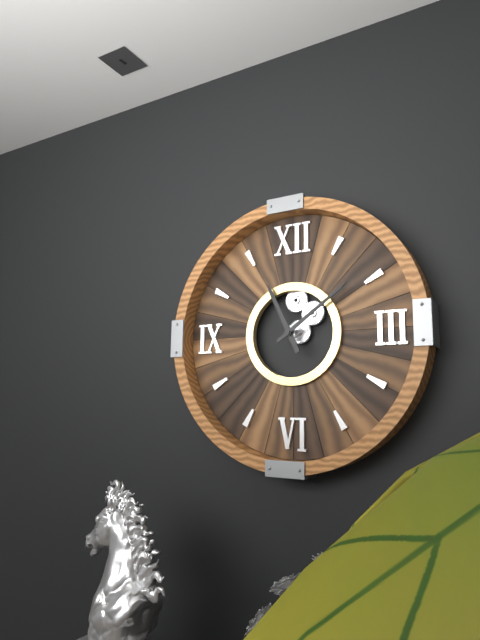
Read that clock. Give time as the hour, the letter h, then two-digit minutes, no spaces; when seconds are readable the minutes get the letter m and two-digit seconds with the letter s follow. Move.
11h09
